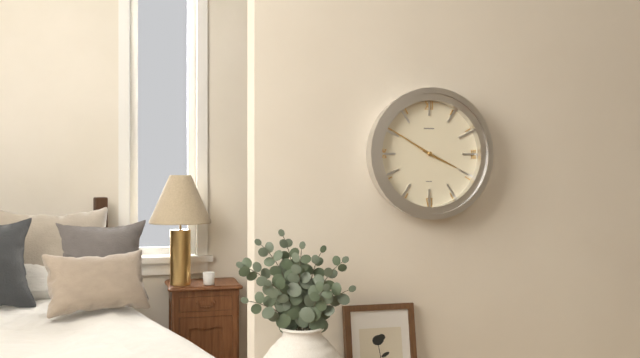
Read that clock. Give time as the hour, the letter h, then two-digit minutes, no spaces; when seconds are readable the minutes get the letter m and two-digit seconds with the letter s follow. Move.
3h50
